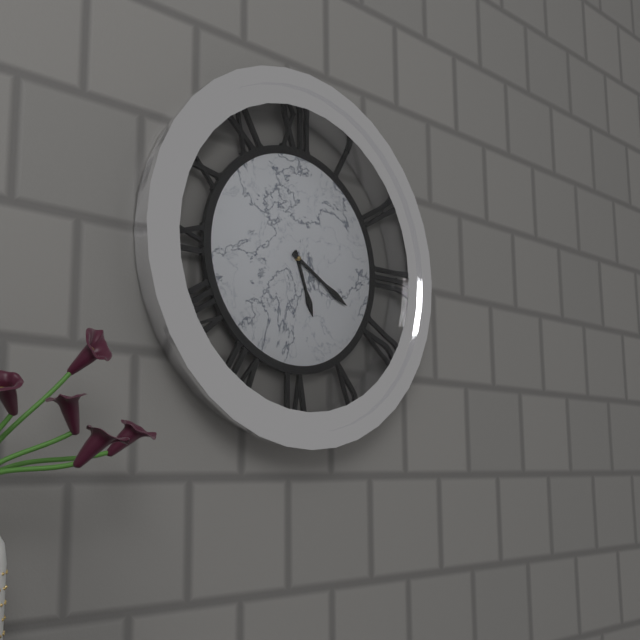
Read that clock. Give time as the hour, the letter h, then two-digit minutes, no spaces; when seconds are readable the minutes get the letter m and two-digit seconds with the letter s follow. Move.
5h20
